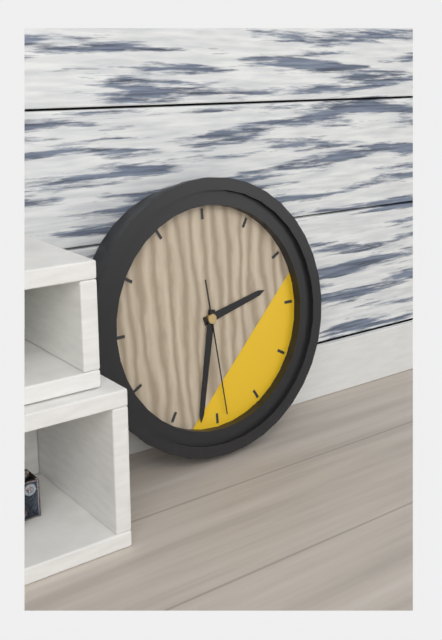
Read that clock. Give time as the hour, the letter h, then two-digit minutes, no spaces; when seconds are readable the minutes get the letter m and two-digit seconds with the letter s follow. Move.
2h32m29s
